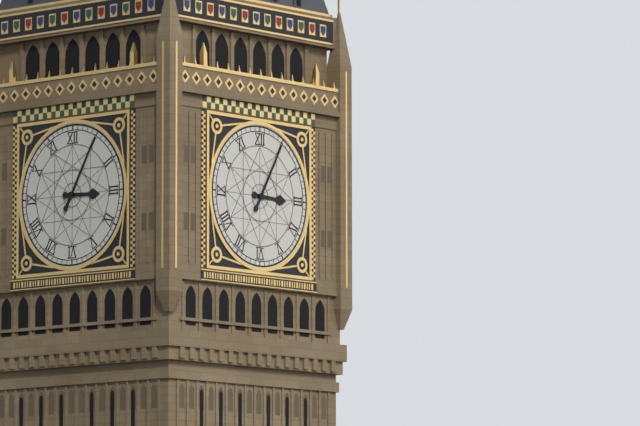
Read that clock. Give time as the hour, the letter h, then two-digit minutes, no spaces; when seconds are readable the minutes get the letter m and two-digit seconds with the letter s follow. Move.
3h05
